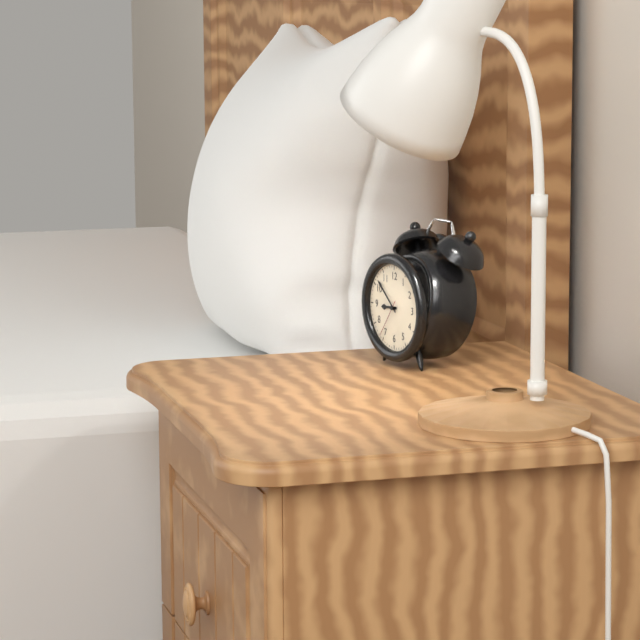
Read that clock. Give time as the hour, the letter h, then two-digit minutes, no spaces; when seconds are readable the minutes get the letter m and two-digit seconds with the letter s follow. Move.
8h52
